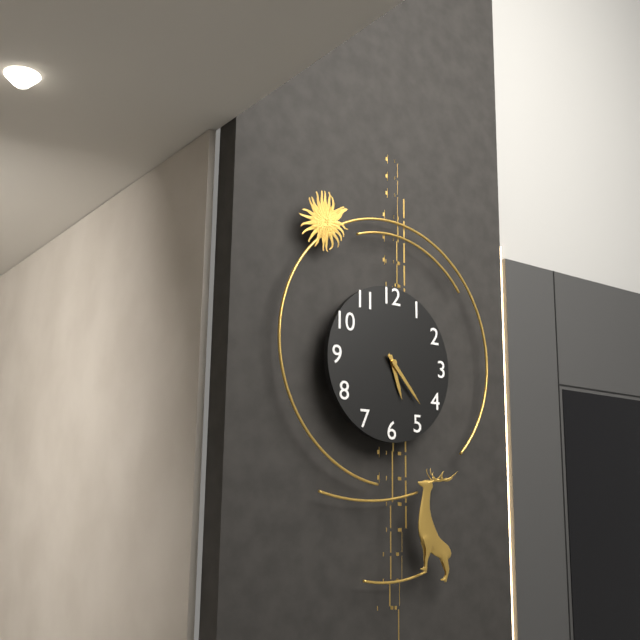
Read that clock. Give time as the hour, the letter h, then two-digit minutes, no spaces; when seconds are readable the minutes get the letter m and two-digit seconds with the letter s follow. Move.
5h23
